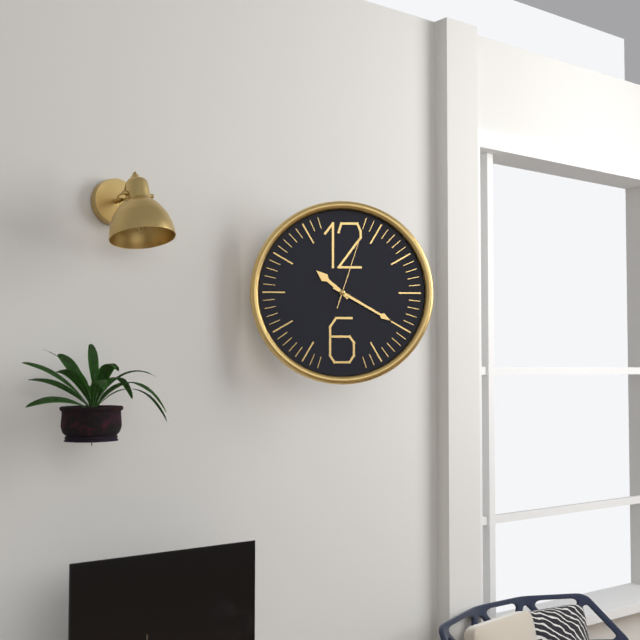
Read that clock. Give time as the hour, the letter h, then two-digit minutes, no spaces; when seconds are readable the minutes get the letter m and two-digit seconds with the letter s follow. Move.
10h20m03s
